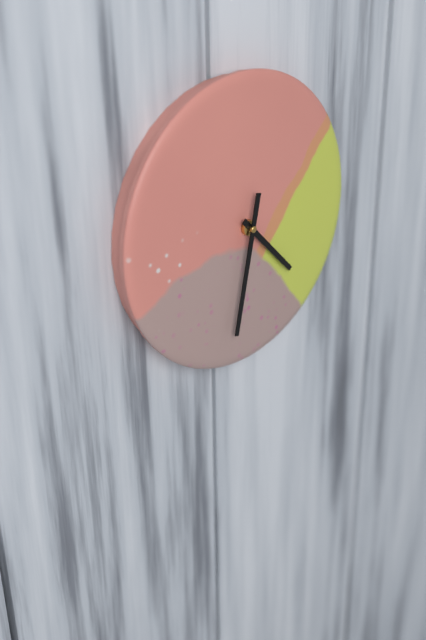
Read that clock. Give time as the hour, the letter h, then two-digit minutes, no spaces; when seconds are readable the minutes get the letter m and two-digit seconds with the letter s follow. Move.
4h32
